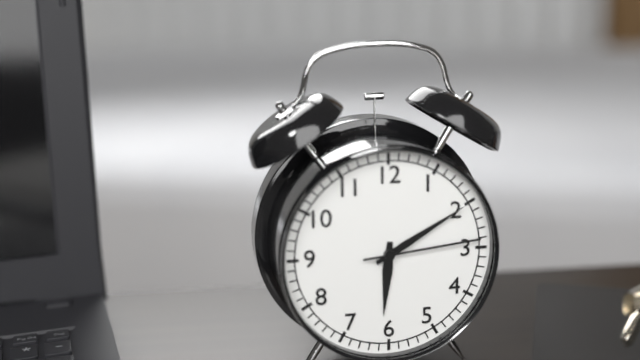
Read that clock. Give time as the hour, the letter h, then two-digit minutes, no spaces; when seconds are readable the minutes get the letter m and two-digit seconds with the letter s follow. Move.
6h10m14s
